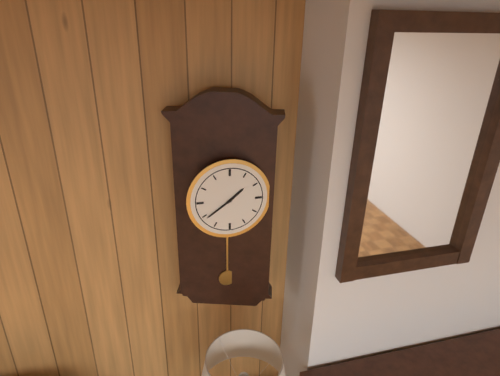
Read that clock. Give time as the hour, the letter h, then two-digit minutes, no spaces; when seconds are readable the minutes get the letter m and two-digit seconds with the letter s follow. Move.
1h39
